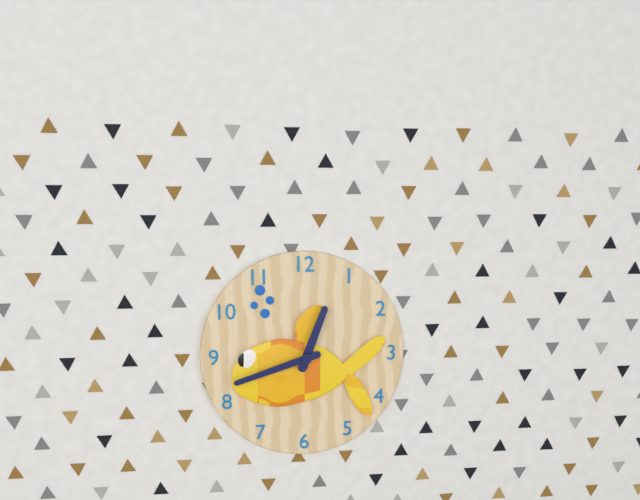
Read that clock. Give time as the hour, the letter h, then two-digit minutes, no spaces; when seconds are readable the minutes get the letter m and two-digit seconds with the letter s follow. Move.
12h42
